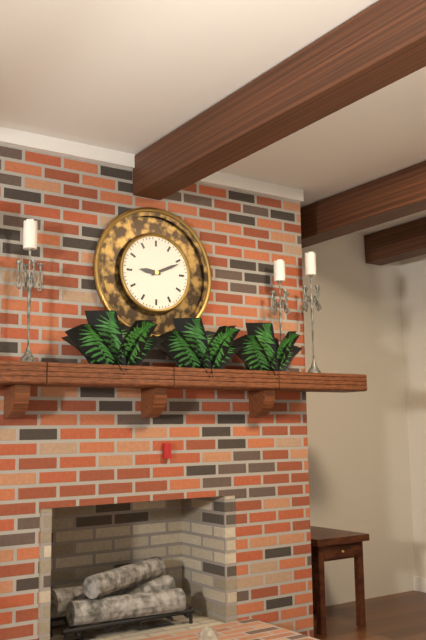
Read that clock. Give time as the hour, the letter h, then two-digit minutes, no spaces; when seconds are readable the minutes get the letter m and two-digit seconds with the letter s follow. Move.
9h11
